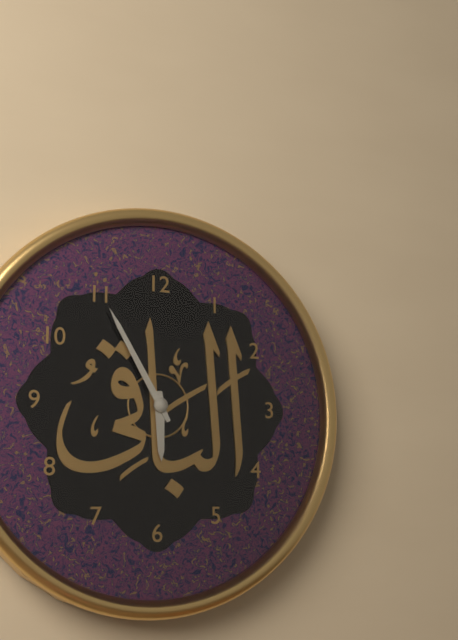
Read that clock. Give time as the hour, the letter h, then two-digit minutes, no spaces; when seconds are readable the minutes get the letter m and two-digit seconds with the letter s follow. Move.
5h55
